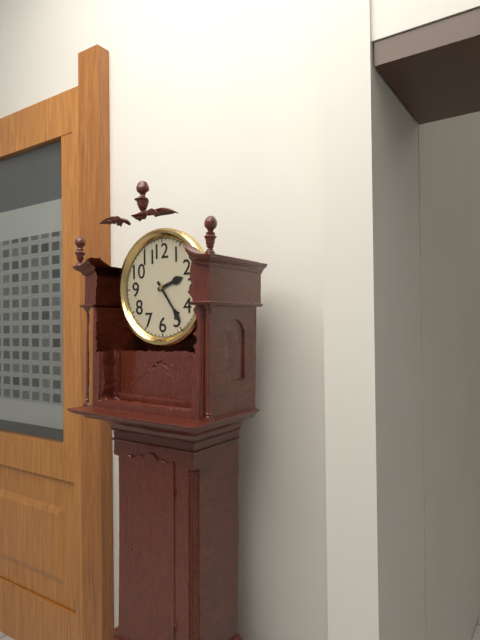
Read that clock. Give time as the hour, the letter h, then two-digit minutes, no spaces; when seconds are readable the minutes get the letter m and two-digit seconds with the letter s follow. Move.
2h24
